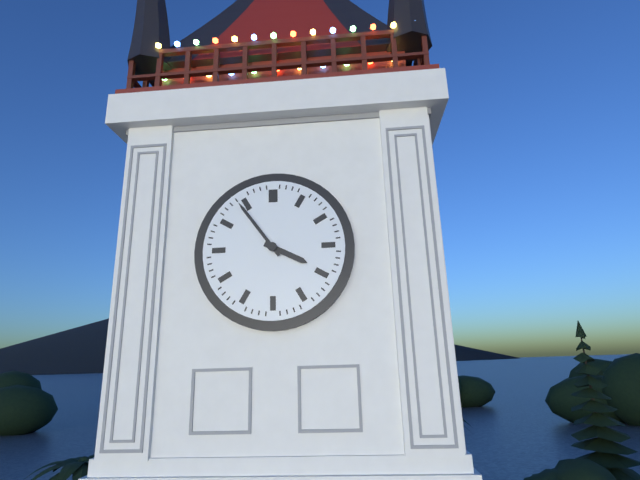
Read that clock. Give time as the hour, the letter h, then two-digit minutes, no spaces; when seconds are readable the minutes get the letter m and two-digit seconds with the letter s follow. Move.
3h54
